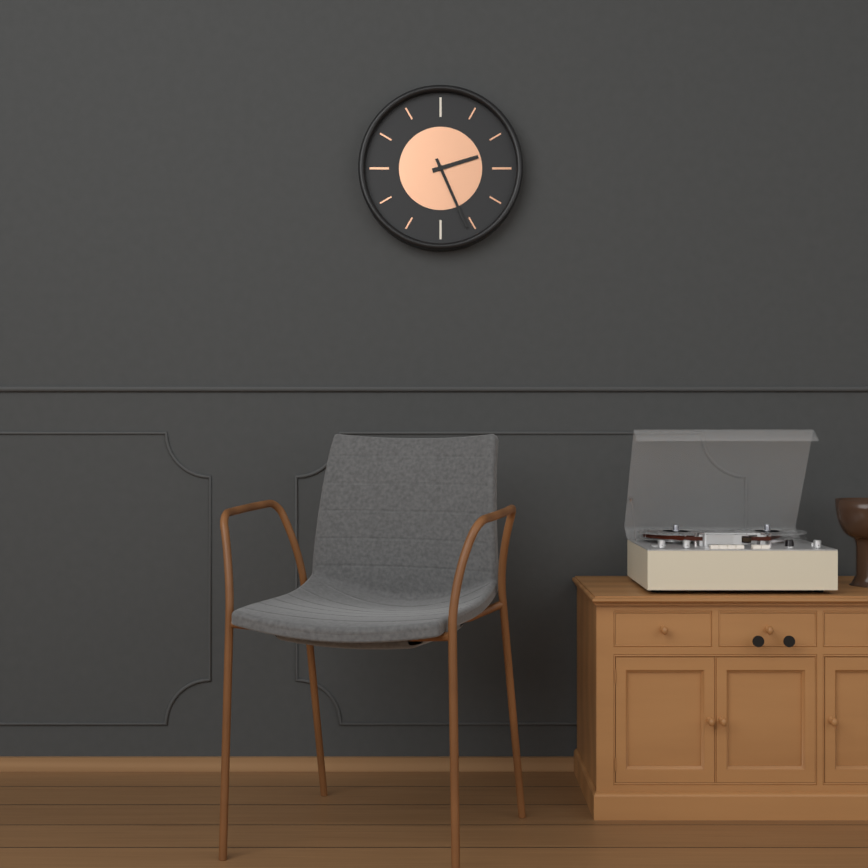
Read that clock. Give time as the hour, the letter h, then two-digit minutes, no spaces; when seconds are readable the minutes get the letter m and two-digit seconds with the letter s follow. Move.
2h26
